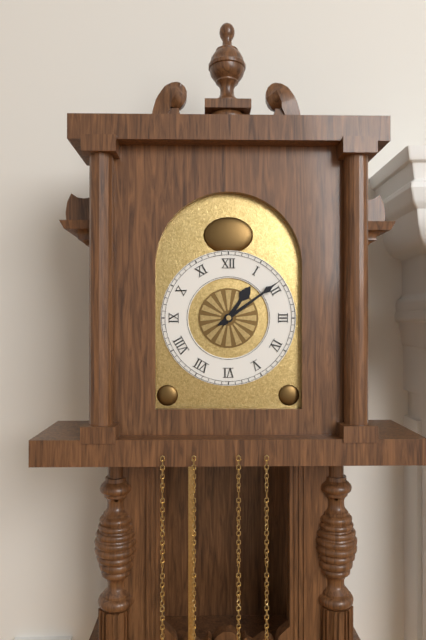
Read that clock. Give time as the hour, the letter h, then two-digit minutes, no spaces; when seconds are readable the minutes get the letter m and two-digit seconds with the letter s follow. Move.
1h09
